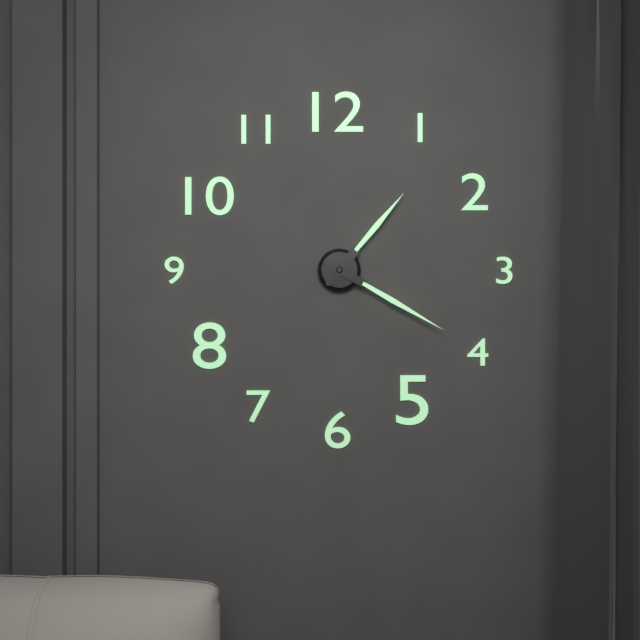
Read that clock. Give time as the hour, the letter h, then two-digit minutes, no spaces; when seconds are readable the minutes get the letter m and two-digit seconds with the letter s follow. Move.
1h20
